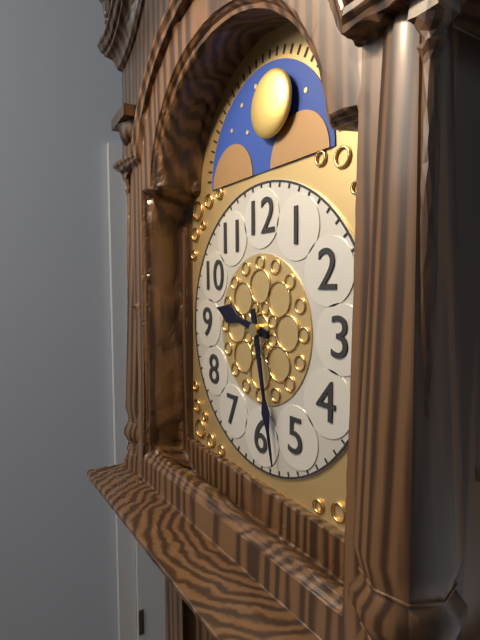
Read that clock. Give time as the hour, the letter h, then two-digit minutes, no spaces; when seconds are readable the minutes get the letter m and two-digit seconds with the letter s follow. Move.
9h28
